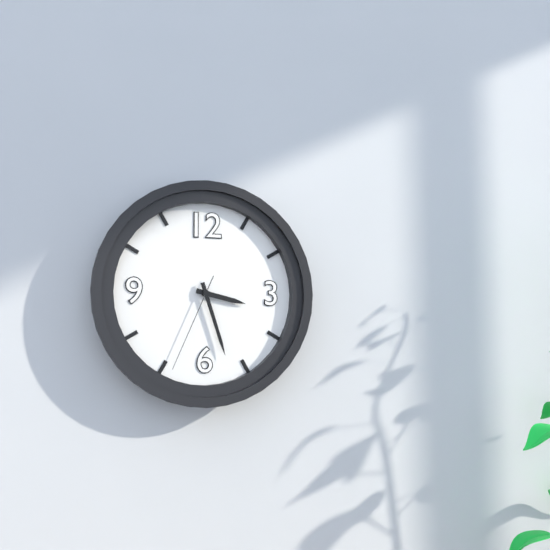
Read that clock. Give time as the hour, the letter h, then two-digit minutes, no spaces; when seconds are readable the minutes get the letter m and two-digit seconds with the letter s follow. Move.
3h27m34s
